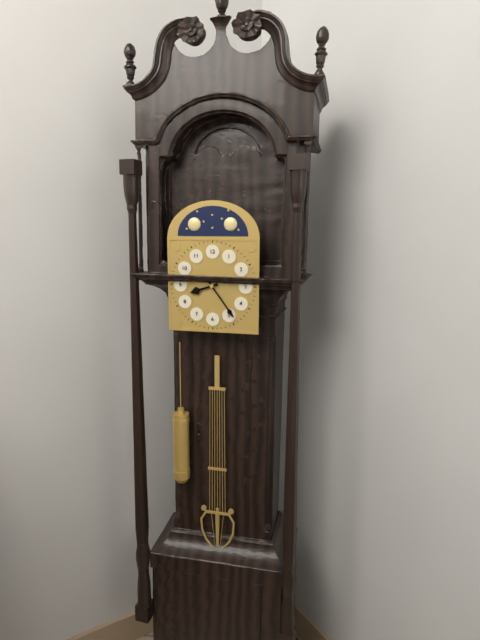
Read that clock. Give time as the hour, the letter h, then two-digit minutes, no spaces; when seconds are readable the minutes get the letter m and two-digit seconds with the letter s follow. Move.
8h24
